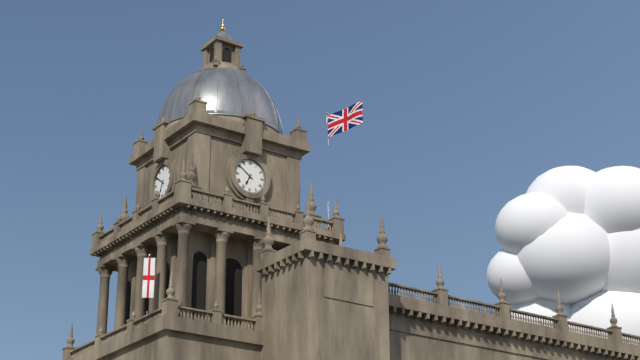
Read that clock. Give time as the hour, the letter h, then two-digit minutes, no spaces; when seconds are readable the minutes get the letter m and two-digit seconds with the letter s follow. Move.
6h51
